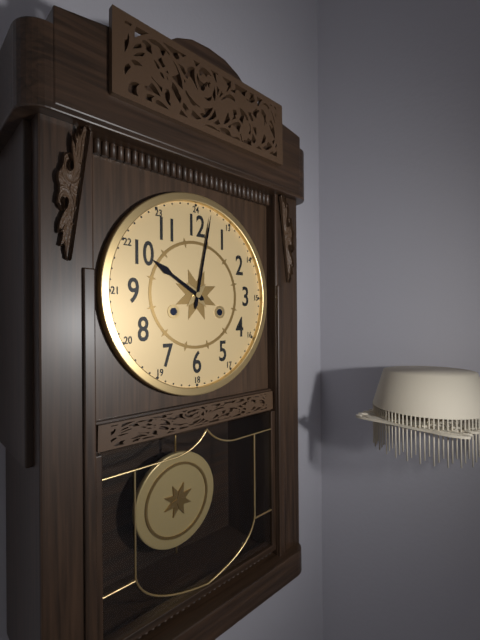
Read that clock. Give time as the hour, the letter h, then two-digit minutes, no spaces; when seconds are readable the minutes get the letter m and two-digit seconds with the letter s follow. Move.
10h02
